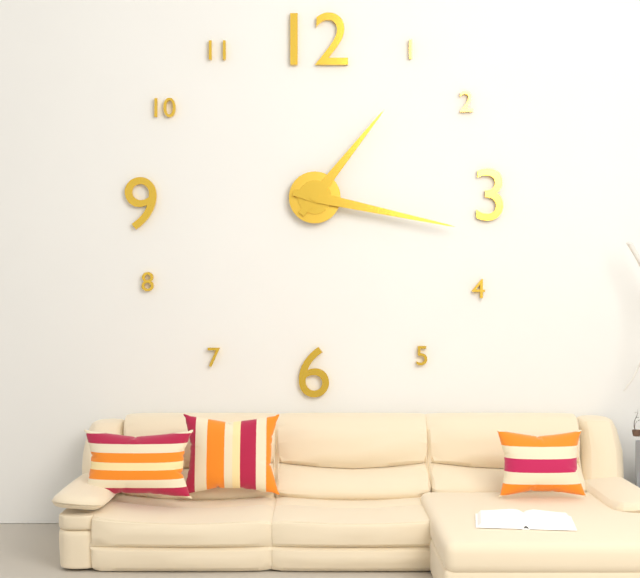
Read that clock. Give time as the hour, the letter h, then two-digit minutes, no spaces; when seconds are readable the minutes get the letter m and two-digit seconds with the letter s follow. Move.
1h17
